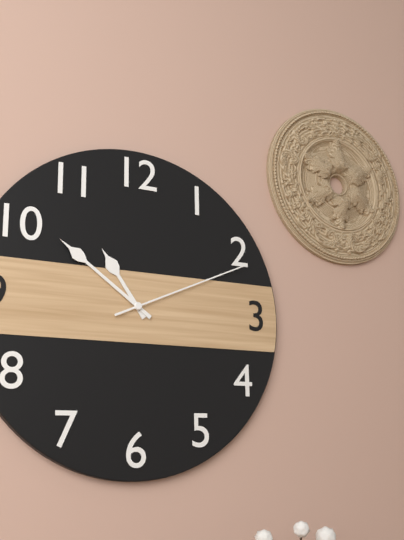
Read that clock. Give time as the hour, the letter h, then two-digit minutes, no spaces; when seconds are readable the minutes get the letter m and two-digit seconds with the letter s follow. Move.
10h51m11s
